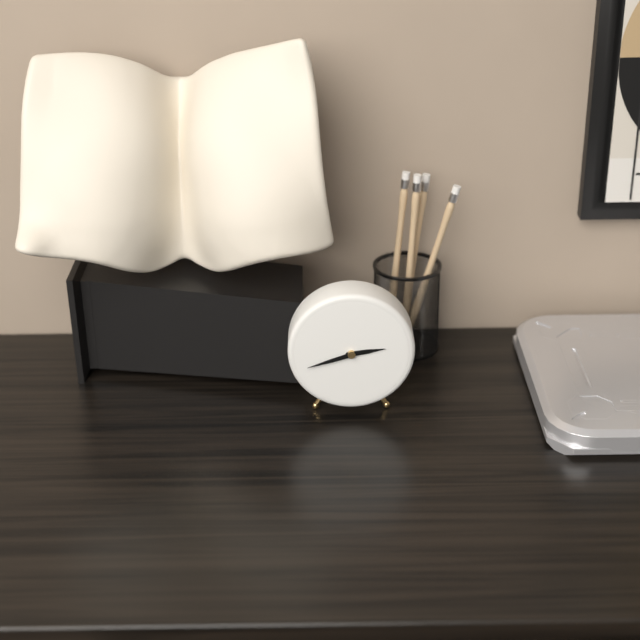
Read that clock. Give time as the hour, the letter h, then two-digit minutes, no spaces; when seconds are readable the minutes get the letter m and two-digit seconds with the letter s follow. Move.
2h42
